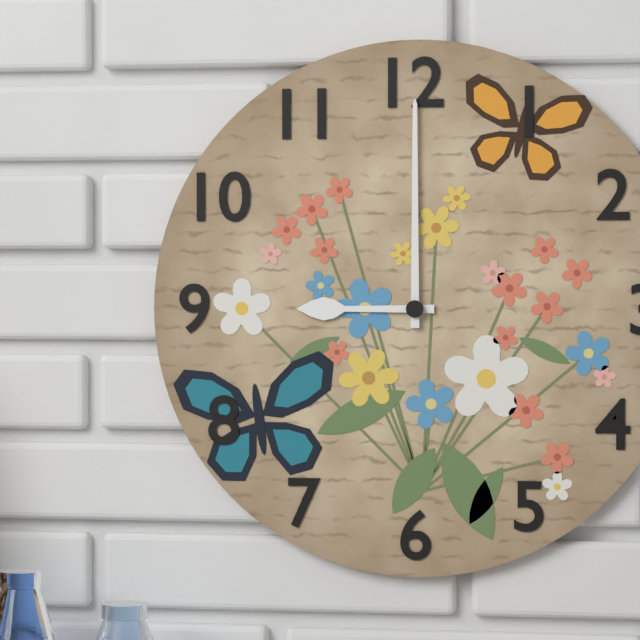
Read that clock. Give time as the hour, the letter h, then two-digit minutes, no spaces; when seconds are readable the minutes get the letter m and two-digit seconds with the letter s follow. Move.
9h00
